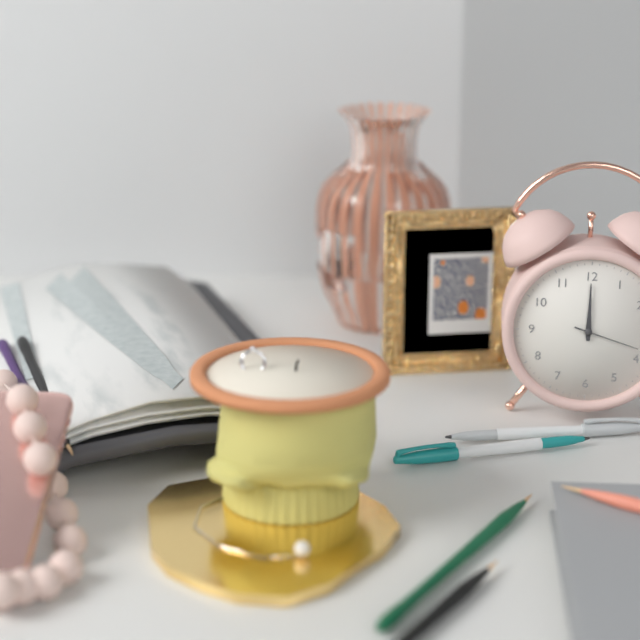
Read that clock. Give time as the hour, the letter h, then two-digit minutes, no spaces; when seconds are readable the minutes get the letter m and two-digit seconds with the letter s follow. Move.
12h00m18s
